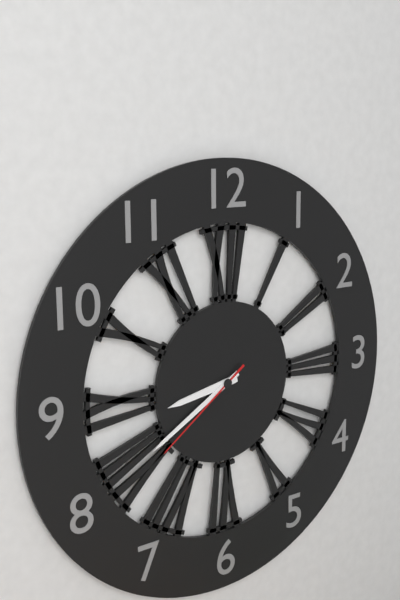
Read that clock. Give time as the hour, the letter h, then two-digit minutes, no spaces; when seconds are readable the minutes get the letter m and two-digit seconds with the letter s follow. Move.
8h40m39s
